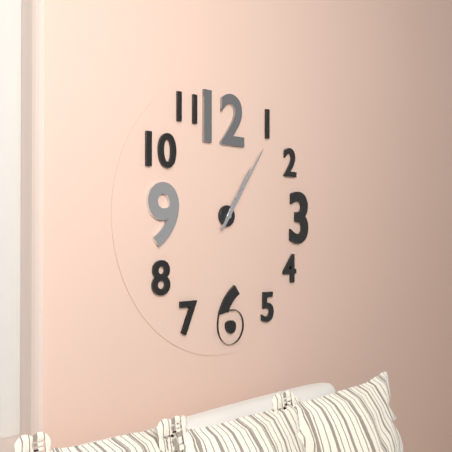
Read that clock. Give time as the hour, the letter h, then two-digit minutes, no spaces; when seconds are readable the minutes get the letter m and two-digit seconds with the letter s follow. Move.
1h06
